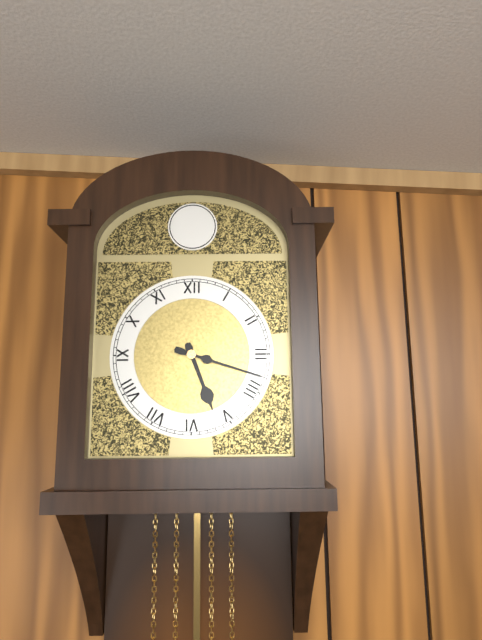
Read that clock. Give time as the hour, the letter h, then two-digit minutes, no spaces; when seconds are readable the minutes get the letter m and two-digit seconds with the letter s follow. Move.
5h18
